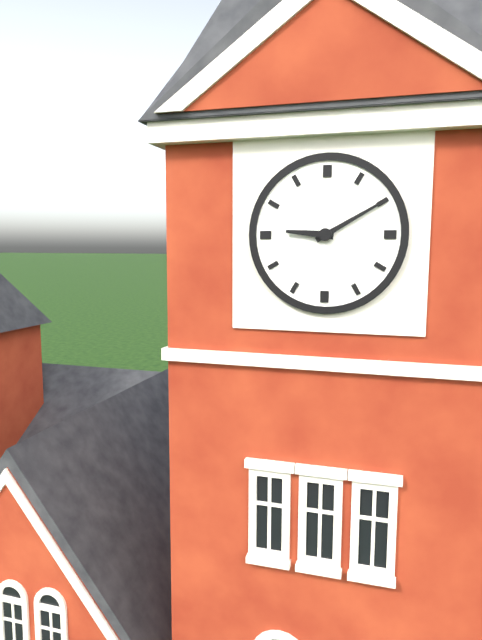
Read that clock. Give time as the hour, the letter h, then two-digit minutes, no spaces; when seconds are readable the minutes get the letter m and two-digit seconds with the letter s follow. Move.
9h10
